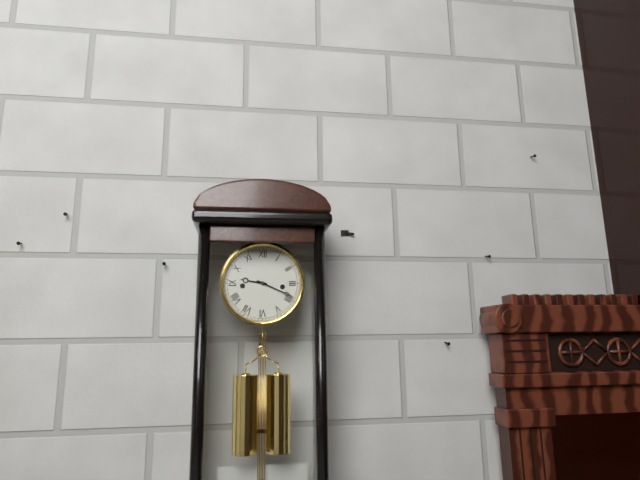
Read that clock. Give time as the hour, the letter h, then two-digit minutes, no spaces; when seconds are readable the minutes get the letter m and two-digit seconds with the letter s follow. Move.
9h19
